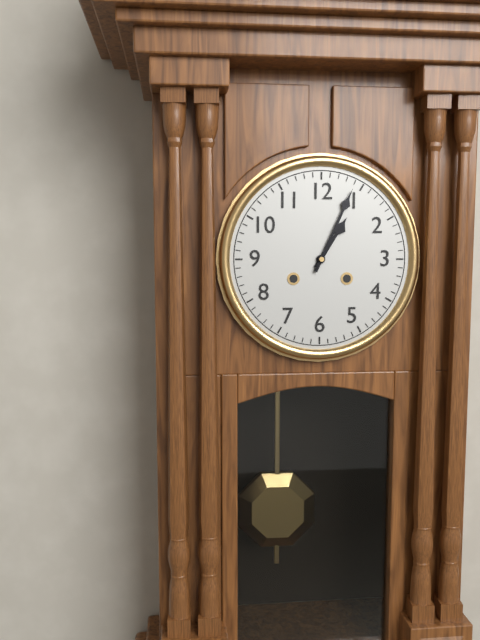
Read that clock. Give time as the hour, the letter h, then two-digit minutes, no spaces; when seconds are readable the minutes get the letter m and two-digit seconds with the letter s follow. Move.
1h04
